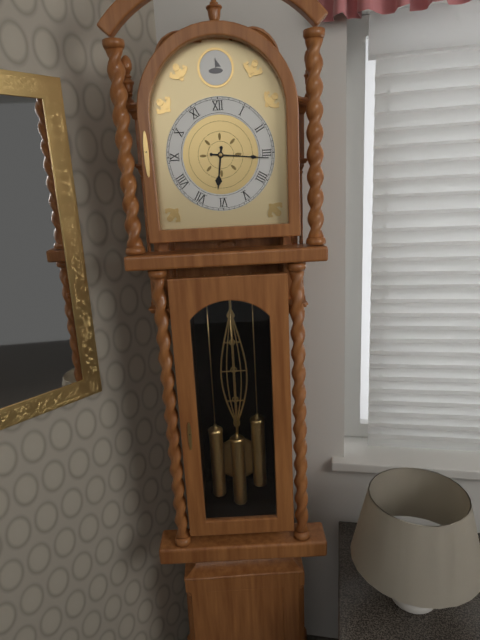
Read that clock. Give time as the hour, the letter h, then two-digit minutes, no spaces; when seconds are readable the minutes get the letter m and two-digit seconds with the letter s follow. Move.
6h16
